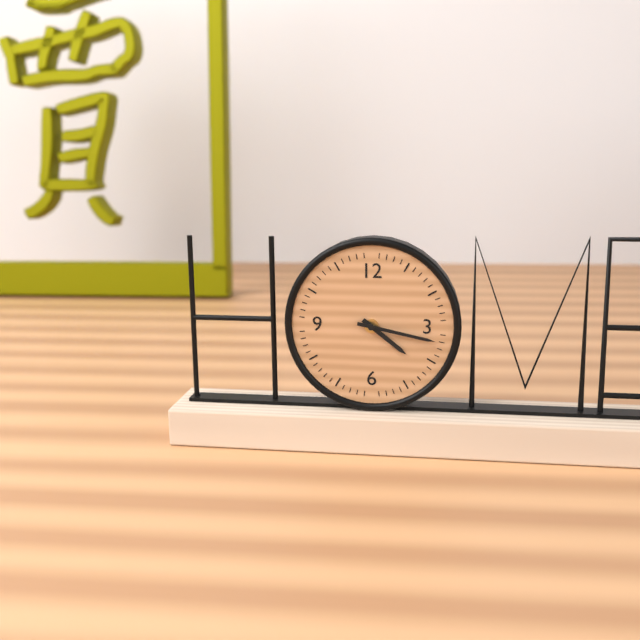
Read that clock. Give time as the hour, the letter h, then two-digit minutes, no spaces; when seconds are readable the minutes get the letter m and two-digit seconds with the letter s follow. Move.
4h17
